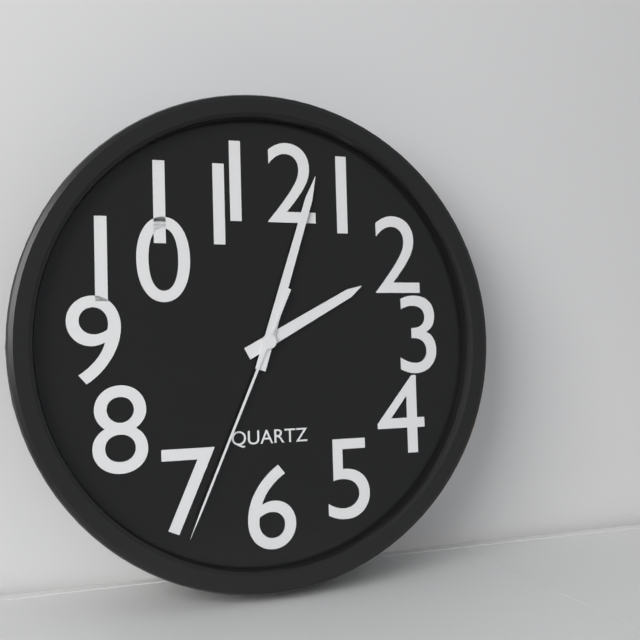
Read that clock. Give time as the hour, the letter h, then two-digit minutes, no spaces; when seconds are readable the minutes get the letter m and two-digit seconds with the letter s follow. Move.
2h03m34s
